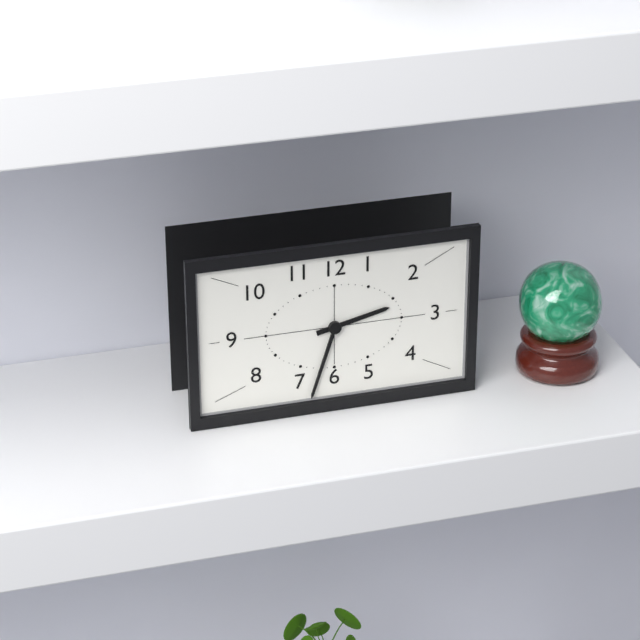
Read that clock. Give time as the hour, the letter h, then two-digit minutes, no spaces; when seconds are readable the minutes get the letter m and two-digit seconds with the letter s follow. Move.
2h33
